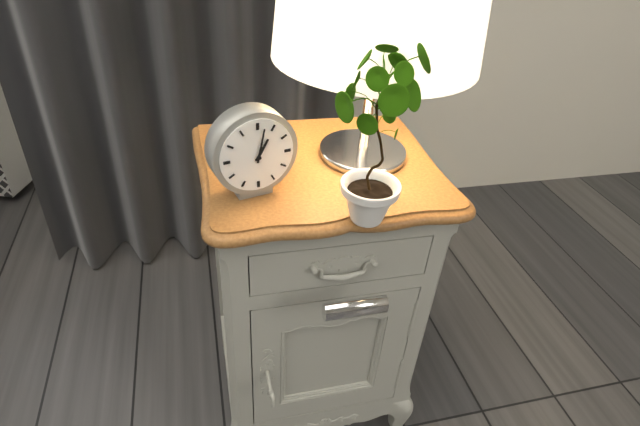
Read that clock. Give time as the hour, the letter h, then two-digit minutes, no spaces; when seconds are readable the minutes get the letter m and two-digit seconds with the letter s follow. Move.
1h02
